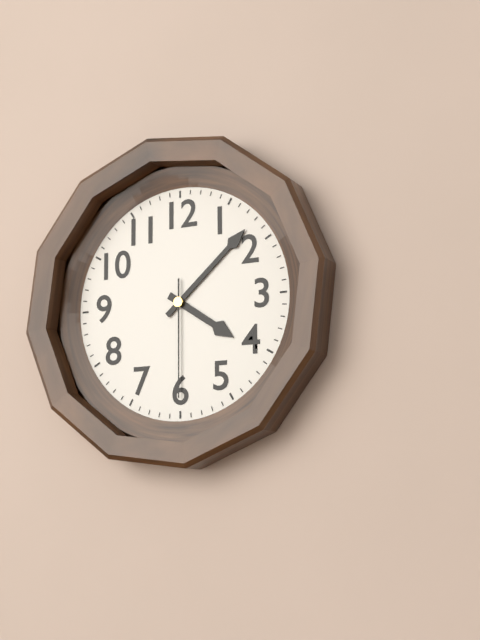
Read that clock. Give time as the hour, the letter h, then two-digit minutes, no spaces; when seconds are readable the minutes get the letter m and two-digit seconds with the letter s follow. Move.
4h08m30s
